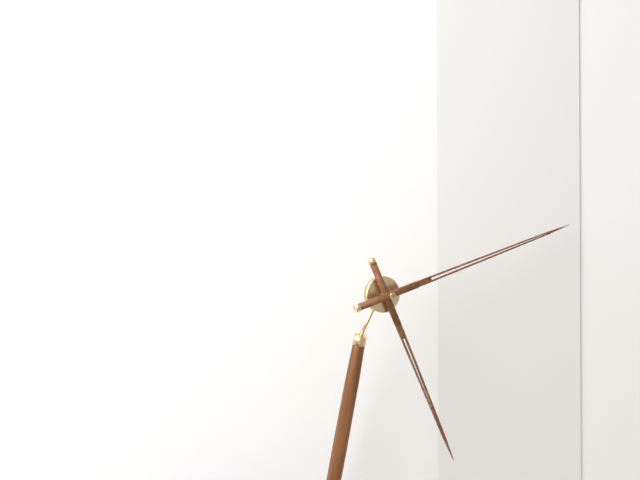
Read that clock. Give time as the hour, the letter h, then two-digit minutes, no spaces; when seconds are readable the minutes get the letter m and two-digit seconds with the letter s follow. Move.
5h12
